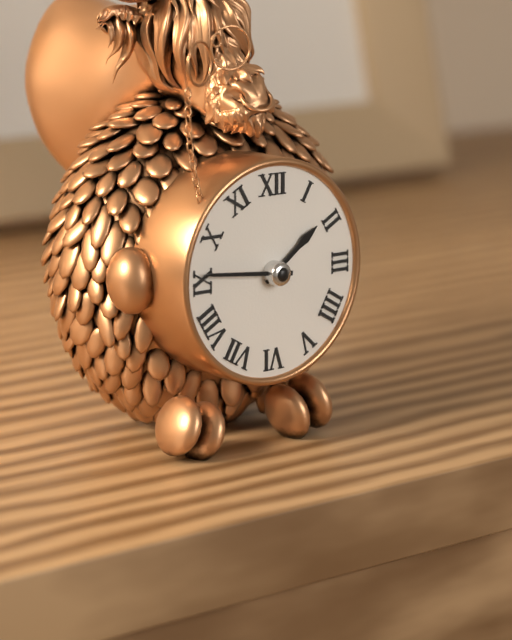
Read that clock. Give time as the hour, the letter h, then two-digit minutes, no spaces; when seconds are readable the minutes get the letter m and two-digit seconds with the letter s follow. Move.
1h46
